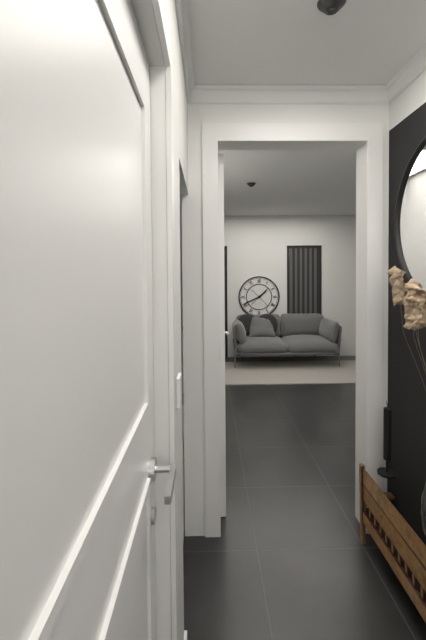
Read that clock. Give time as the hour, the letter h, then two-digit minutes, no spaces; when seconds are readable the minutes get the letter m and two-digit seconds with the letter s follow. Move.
1h41
